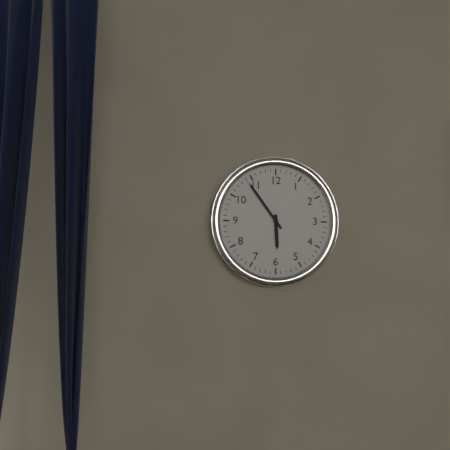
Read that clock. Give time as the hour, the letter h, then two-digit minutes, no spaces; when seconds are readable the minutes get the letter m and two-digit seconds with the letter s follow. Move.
5h54
